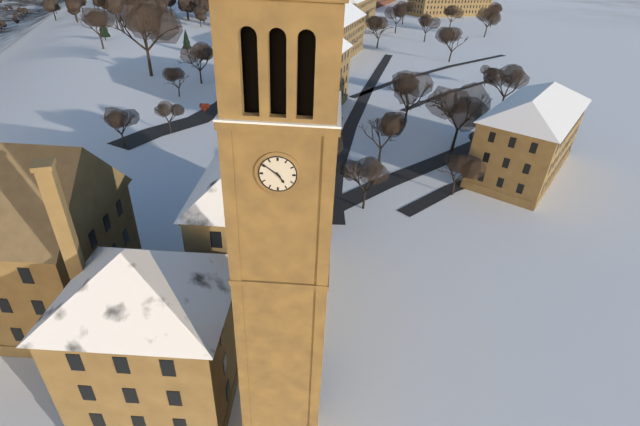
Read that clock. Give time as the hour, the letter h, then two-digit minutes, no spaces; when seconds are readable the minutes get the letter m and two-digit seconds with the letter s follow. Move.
4h51
